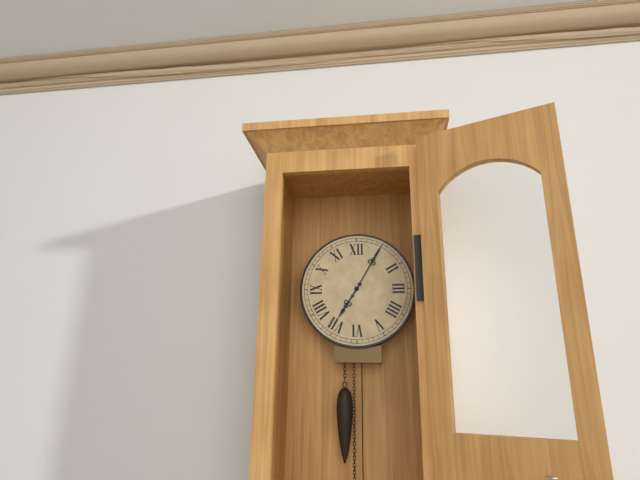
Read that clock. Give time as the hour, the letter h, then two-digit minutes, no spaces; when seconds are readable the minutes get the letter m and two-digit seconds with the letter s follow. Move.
7h05
